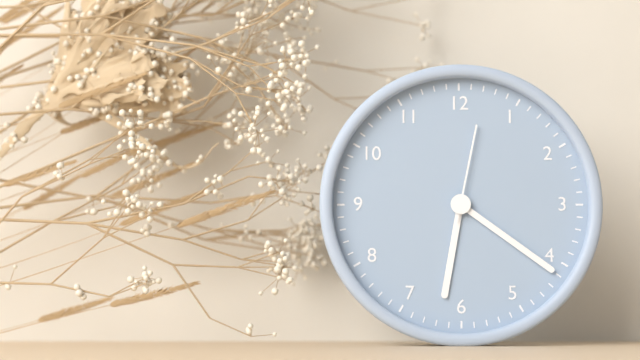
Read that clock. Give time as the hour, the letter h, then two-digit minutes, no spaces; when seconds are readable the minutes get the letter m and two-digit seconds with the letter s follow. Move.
6h21m02s
